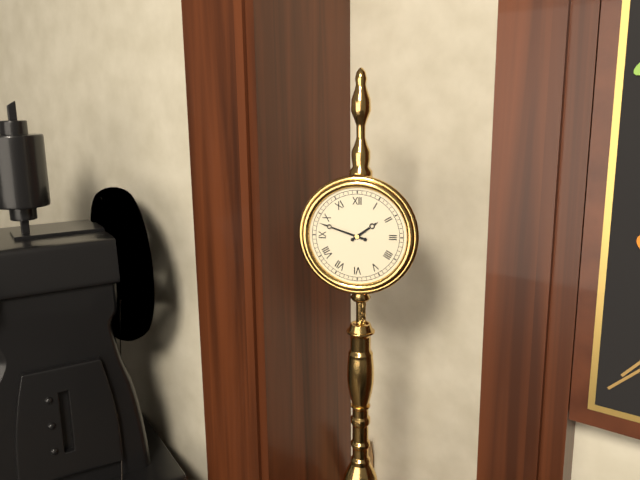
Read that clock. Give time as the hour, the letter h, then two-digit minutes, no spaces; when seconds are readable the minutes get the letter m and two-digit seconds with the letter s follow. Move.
1h48
